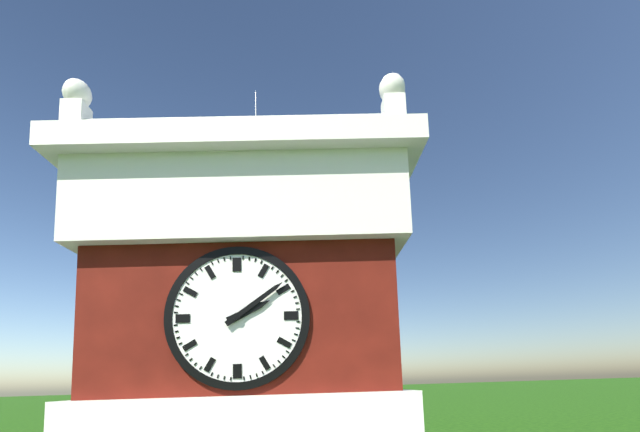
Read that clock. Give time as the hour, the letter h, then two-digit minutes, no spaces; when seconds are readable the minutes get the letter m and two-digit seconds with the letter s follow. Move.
2h09
